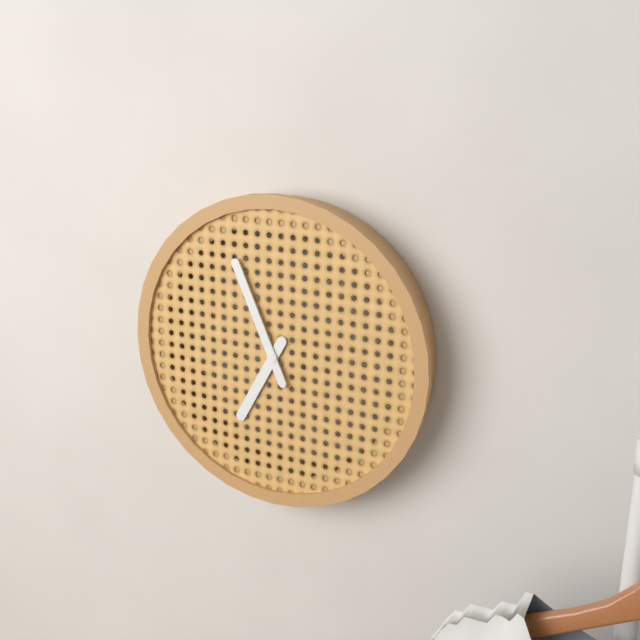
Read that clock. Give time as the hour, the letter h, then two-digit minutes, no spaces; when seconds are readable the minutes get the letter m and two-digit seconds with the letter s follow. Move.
6h56
